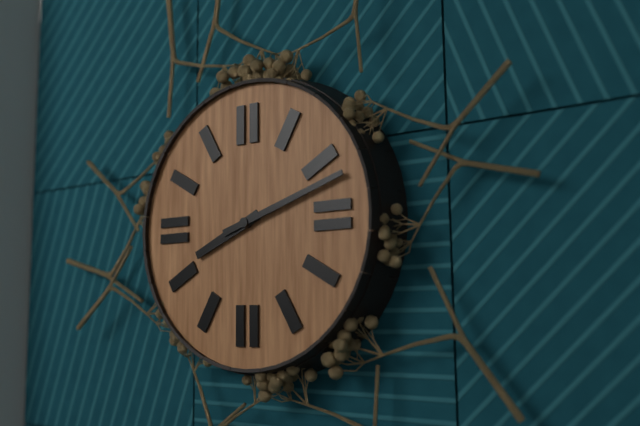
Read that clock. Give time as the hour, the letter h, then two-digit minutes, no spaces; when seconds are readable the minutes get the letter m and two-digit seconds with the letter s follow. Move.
8h12
